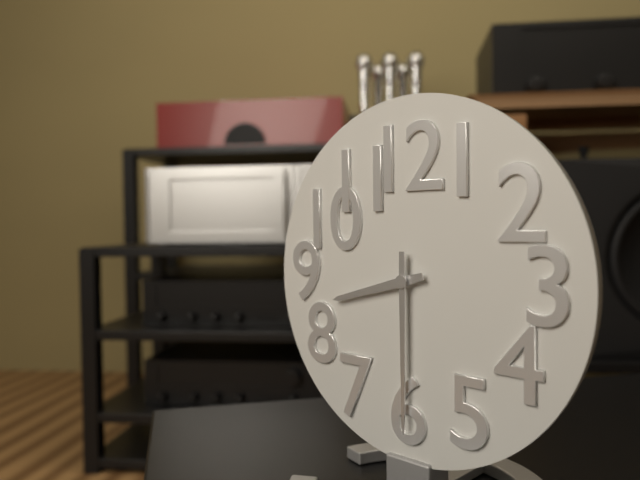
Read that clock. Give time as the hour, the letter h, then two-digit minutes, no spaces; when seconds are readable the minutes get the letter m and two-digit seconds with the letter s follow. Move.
8h30
